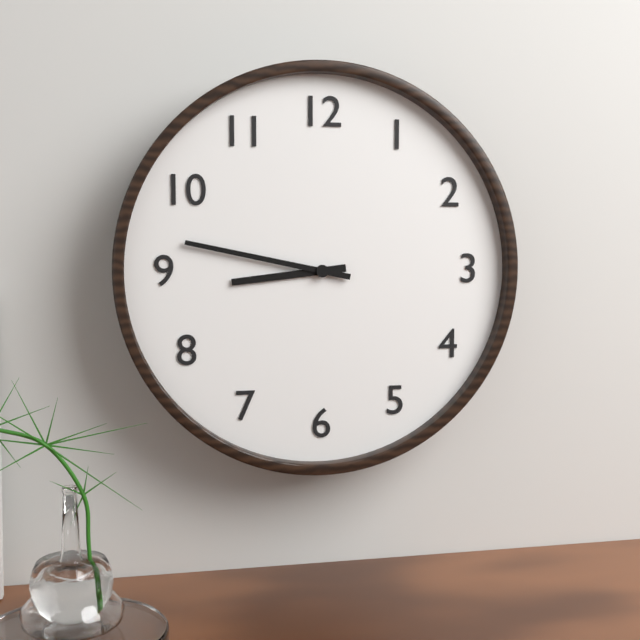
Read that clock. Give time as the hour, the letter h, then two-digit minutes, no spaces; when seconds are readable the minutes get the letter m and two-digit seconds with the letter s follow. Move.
8h47
